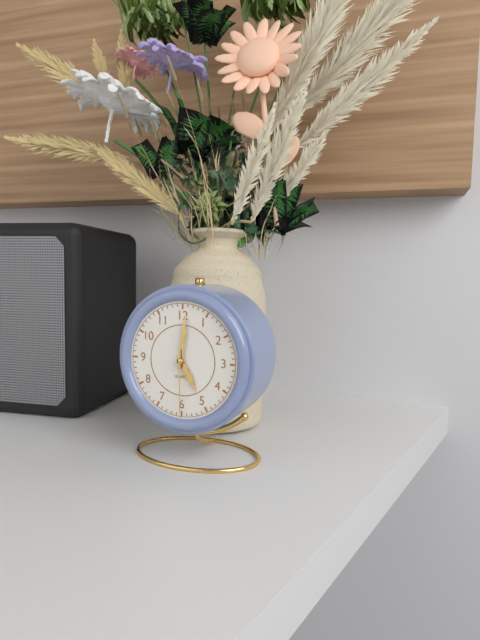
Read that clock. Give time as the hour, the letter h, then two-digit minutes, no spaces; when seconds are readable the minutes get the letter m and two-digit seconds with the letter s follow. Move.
5h01m30s
